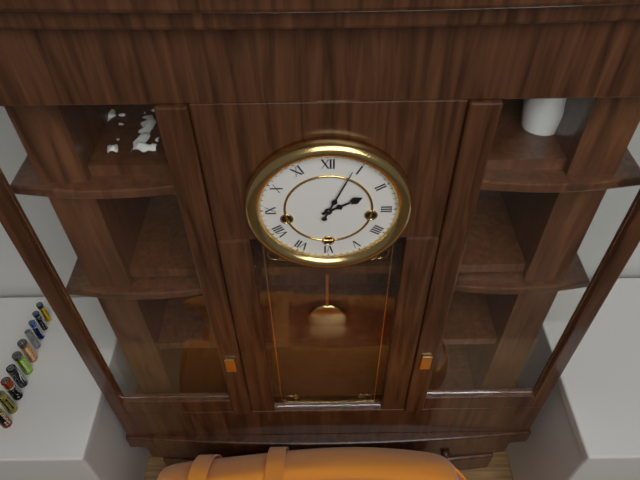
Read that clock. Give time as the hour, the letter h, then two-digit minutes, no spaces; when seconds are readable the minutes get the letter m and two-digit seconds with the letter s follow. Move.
2h04
